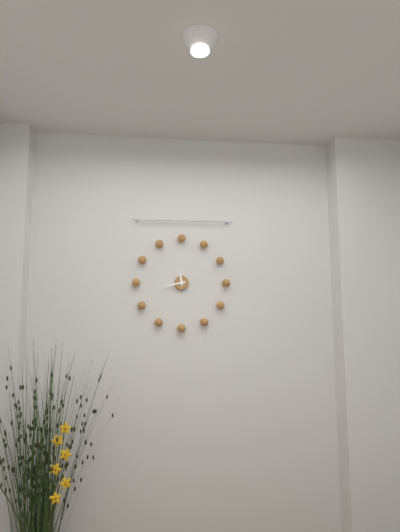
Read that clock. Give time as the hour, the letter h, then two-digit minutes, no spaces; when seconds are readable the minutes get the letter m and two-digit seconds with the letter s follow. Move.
11h43
